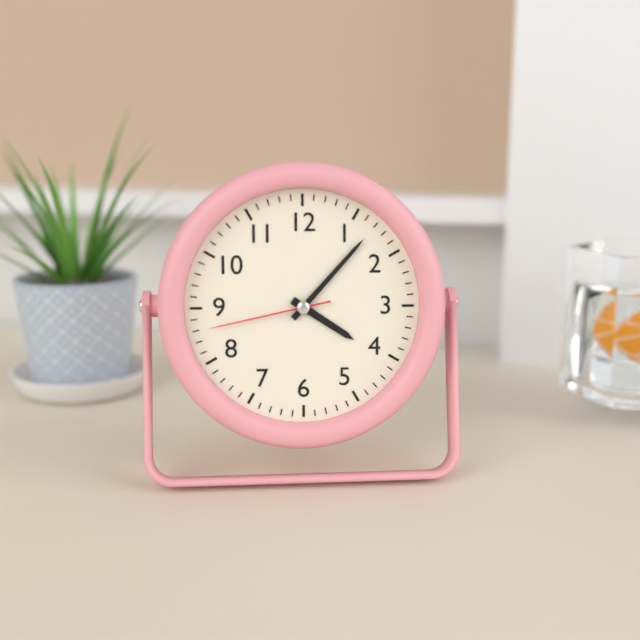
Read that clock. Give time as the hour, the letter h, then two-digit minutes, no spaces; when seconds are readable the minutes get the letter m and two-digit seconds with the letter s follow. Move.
4h07m43s
